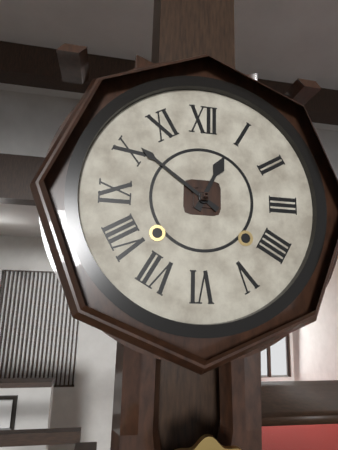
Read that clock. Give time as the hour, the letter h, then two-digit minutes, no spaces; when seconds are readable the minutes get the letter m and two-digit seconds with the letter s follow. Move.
12h51
